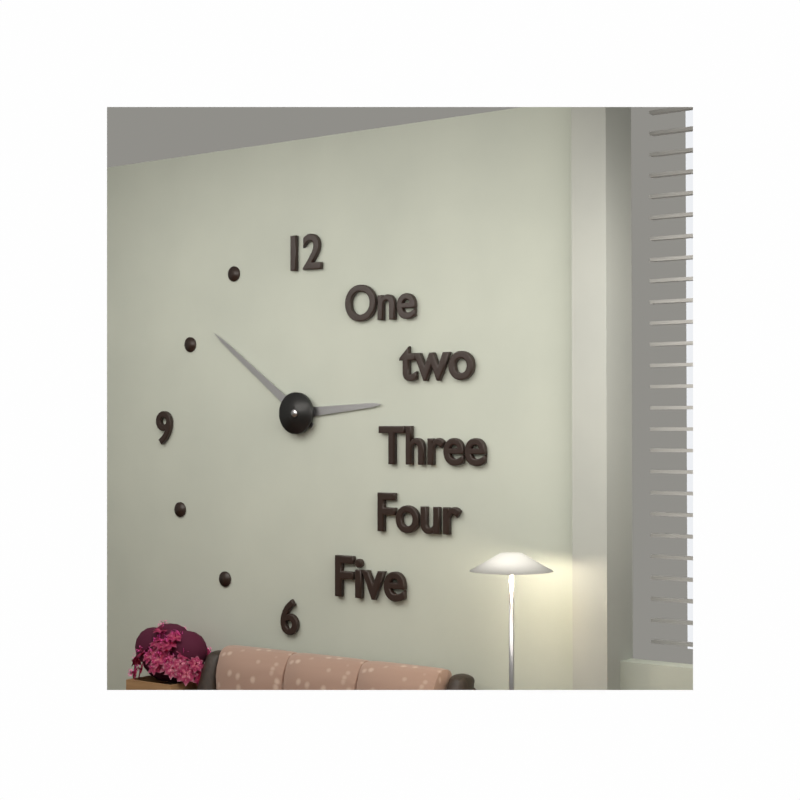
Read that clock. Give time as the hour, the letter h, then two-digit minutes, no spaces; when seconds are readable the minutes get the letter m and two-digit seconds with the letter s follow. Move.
2h51
